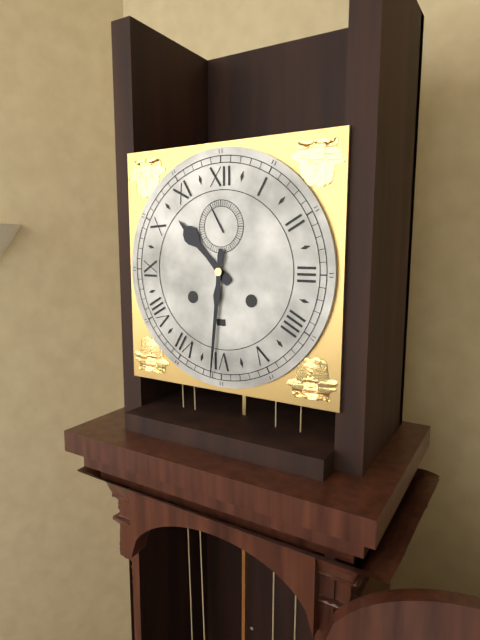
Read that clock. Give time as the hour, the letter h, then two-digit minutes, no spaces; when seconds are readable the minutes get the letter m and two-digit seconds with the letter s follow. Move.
10h31
